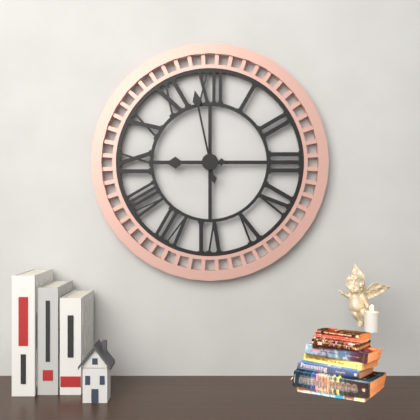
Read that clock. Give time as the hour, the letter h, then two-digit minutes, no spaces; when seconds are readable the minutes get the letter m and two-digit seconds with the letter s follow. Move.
8h58
